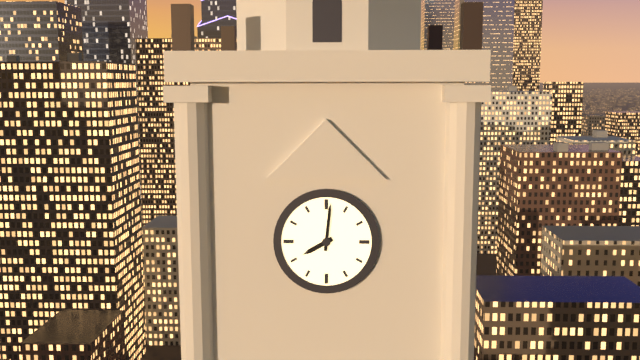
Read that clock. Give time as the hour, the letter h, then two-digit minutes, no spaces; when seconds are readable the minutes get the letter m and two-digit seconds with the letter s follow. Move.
8h01
